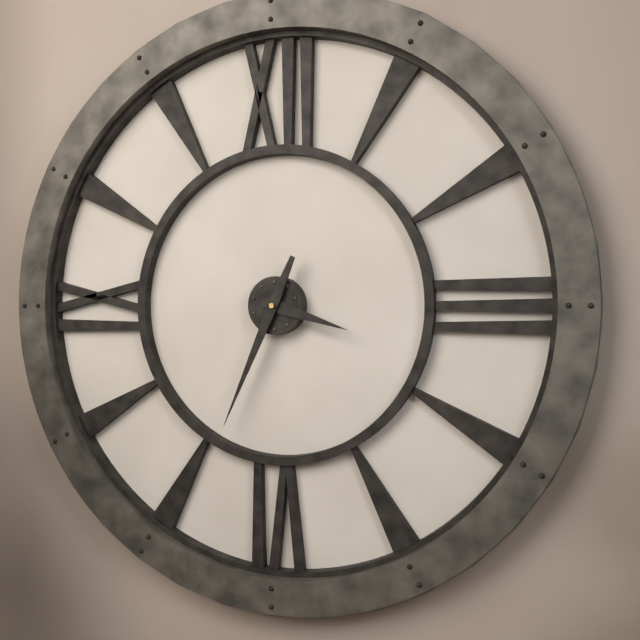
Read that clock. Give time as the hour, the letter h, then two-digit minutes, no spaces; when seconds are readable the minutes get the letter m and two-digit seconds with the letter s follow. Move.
3h34
